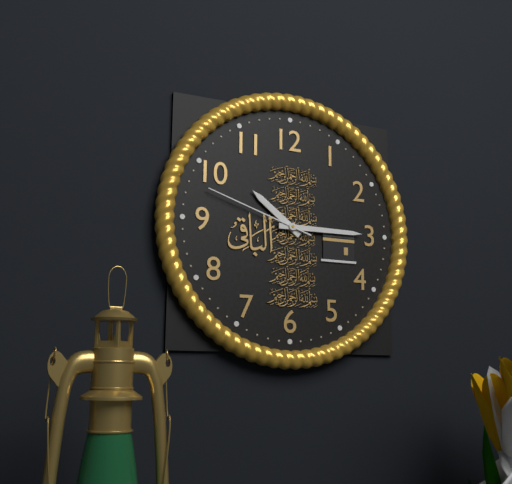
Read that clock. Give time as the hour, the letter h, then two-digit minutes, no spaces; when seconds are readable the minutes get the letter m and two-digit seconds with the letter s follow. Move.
10h15m48s
